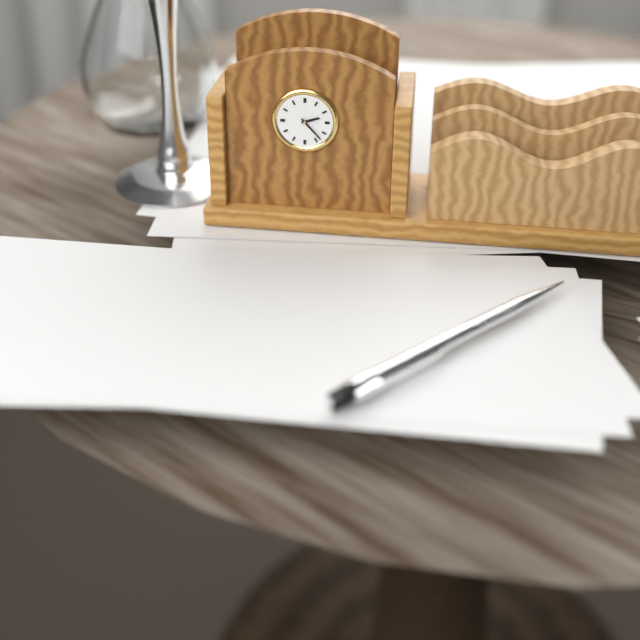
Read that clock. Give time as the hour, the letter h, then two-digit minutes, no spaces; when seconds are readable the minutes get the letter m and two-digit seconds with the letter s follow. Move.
2h23
